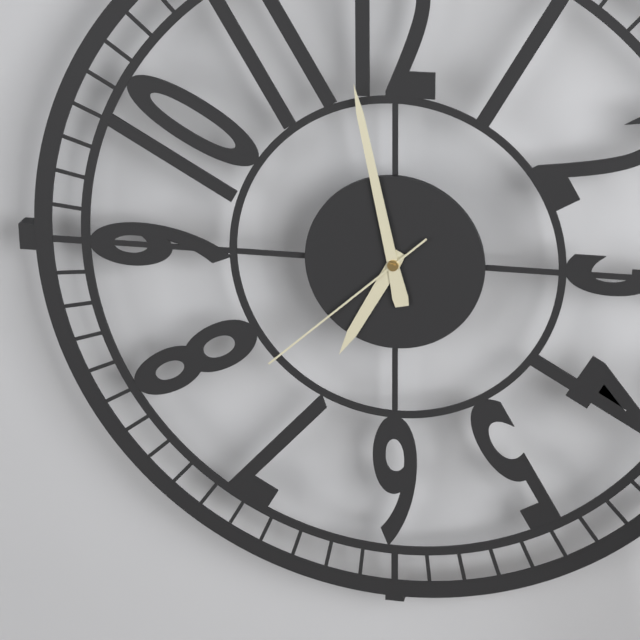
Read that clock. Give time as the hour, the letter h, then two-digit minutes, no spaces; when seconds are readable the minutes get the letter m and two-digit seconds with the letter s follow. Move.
6h58m38s
